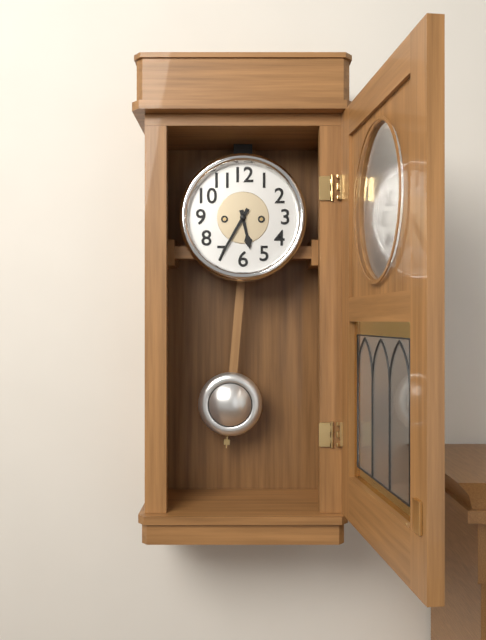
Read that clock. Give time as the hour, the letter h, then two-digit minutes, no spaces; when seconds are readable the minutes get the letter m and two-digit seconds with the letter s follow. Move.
5h35
